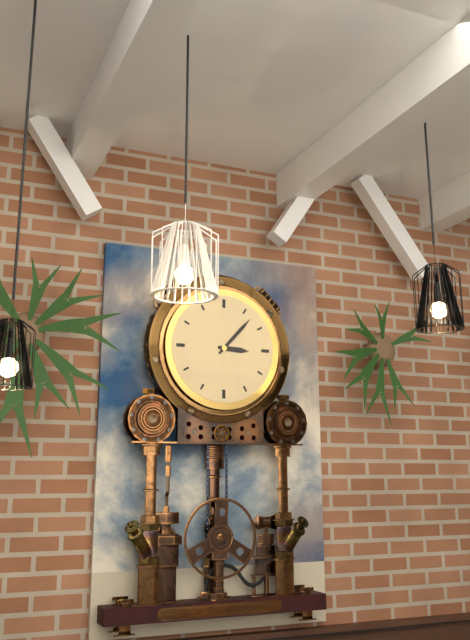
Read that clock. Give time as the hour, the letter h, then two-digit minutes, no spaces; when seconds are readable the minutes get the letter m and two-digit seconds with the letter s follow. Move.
3h07
